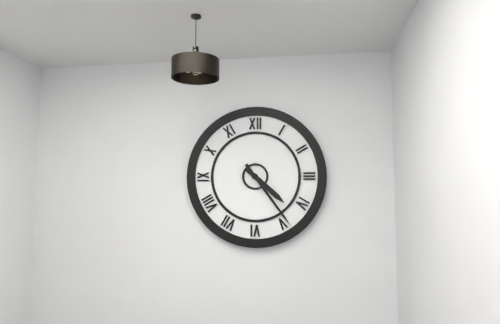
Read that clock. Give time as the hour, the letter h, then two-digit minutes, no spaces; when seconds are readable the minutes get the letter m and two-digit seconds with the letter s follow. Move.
4h24
